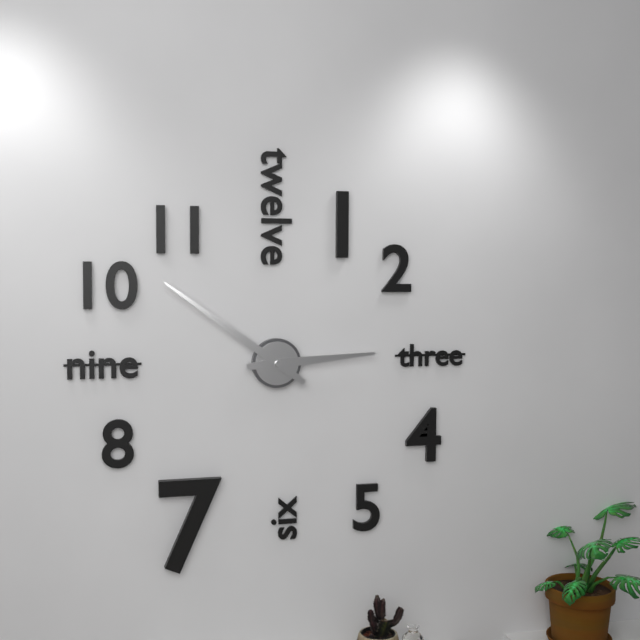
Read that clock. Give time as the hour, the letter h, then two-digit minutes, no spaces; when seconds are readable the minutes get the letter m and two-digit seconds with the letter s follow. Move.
2h51
